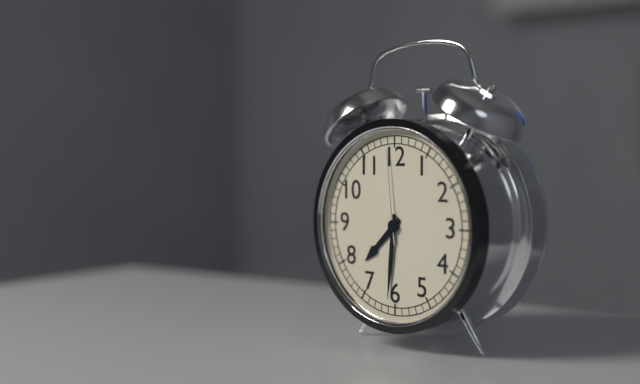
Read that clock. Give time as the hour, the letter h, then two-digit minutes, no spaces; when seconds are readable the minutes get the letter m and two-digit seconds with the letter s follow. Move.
7h31m59s
